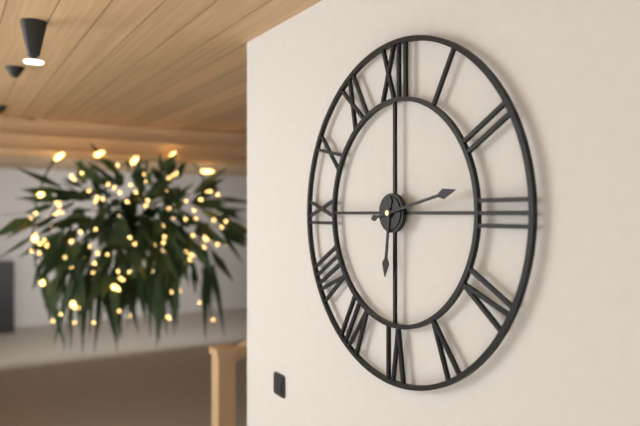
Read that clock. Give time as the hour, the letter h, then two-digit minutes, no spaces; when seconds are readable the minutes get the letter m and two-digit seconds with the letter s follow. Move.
6h13
